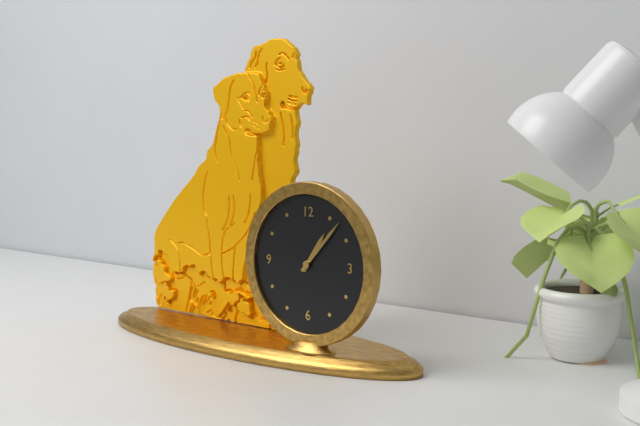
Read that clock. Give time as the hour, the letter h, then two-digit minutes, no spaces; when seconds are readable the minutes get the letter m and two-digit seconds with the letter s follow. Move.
1h07
